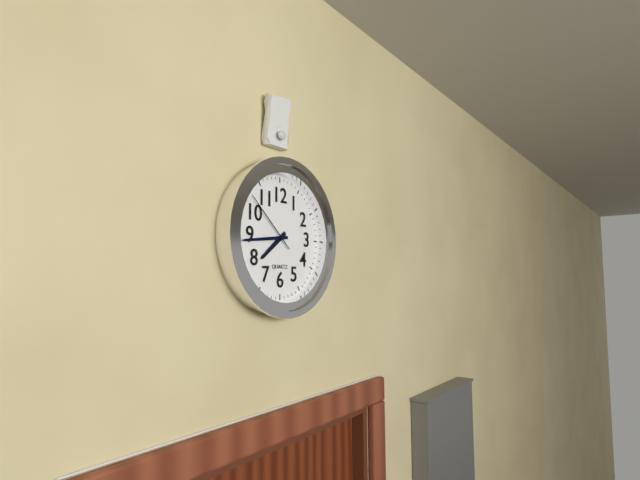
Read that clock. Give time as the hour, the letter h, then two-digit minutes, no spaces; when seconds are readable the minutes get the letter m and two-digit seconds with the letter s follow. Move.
7h44m52s
